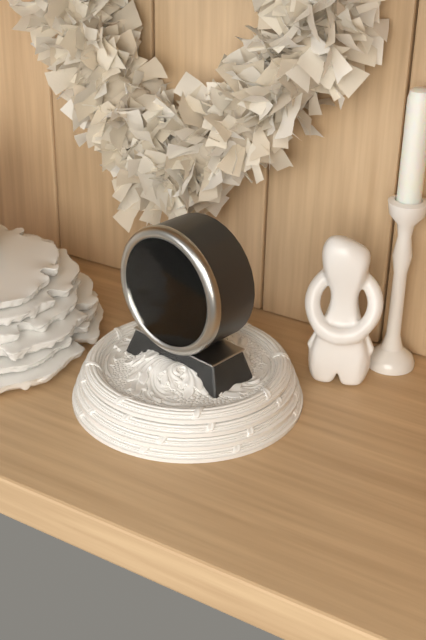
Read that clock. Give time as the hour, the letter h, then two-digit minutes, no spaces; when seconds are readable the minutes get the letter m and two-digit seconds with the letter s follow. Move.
8h20
